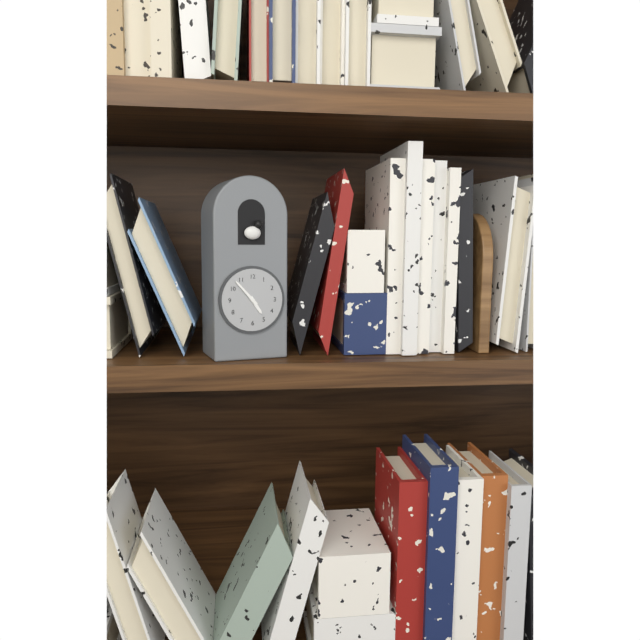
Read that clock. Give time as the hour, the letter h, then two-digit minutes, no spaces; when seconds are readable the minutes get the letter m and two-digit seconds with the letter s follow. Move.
4h53
